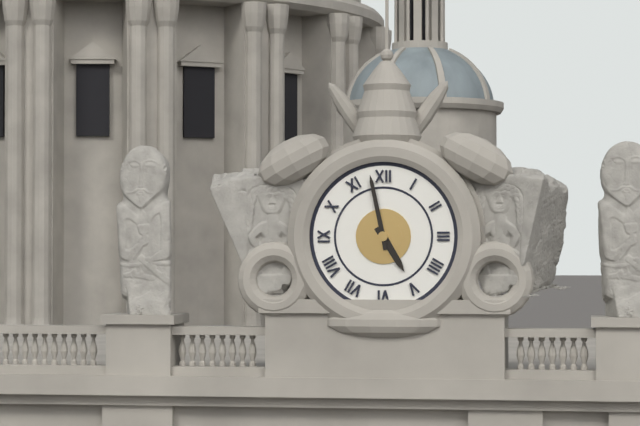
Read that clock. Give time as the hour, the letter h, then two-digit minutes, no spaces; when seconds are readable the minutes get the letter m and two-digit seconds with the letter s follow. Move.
4h58
